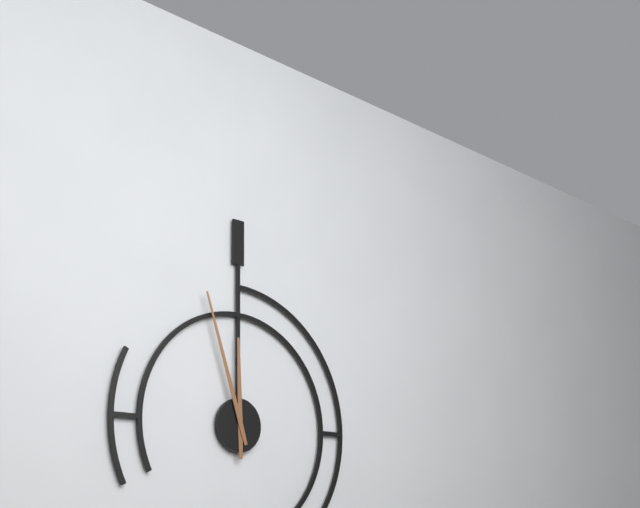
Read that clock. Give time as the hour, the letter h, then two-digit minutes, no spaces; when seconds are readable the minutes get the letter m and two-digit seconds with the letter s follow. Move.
11h57
